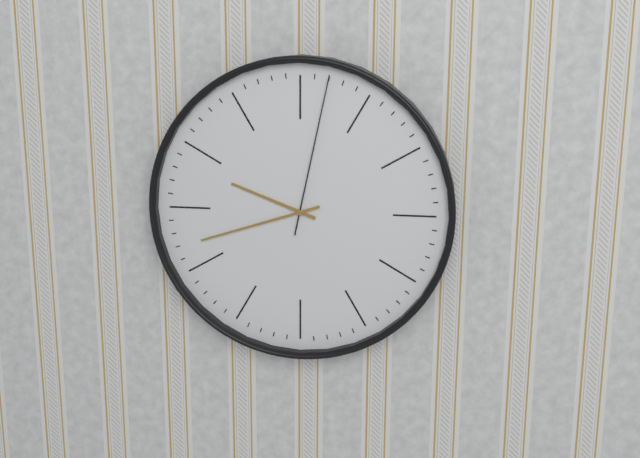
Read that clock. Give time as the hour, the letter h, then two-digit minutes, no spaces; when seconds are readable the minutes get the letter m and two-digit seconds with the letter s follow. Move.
9h42m02s
